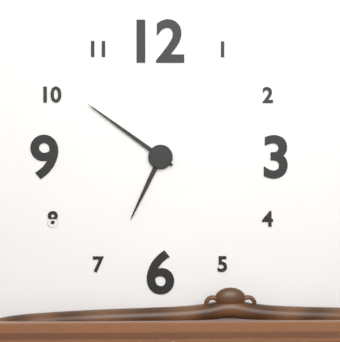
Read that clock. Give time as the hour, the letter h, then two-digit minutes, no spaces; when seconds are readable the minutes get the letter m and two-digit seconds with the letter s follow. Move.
6h51
